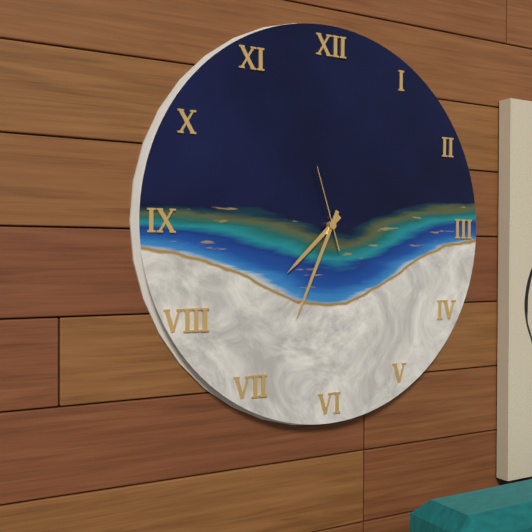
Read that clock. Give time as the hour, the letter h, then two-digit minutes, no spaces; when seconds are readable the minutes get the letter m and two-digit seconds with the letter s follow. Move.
7h34m57s
